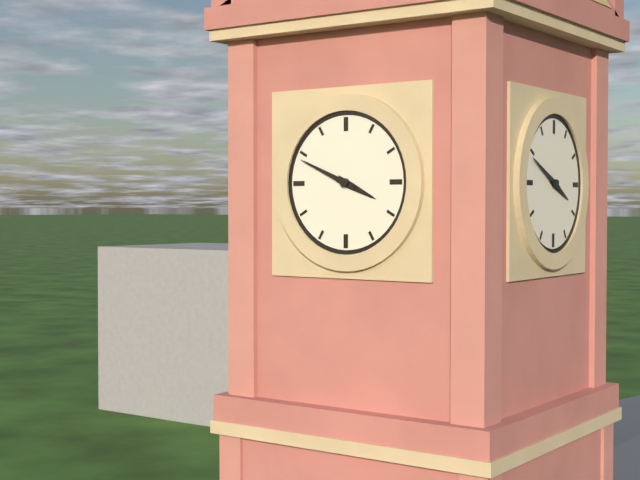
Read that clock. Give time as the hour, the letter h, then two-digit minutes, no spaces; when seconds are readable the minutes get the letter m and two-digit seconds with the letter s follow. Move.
3h49
